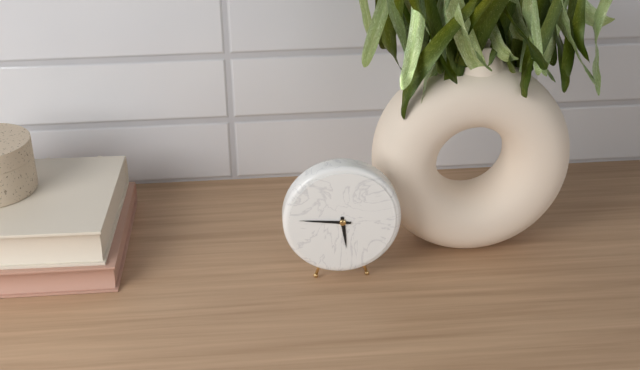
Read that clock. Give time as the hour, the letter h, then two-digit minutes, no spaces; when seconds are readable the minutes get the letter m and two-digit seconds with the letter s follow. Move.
5h46
